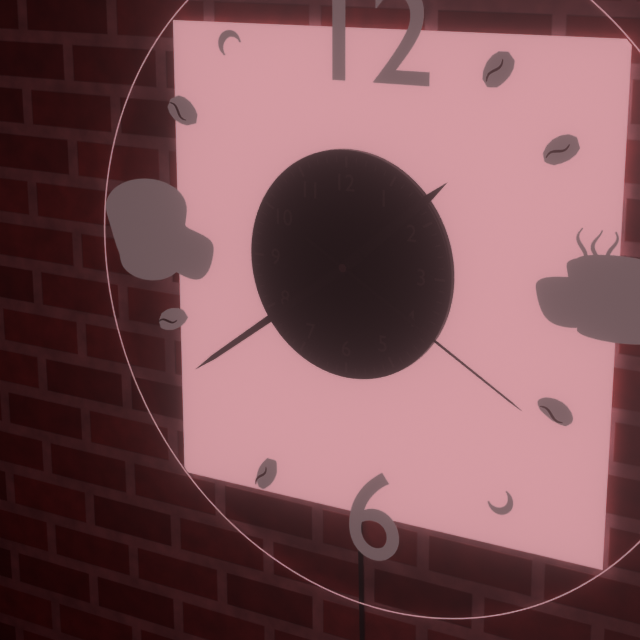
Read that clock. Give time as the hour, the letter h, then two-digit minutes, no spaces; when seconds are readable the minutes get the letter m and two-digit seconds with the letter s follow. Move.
1h39m20s
